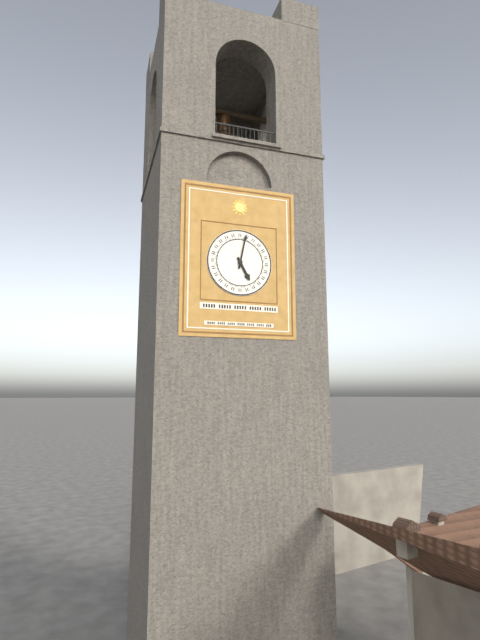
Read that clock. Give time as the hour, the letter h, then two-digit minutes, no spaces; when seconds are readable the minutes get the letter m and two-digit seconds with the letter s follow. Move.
5h02
